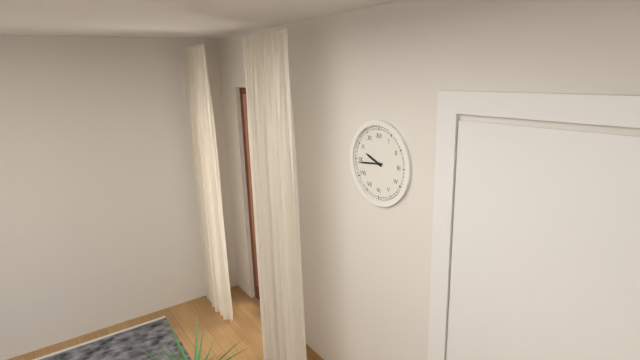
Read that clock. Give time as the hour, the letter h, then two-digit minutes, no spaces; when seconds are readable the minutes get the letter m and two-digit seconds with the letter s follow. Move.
9h44
